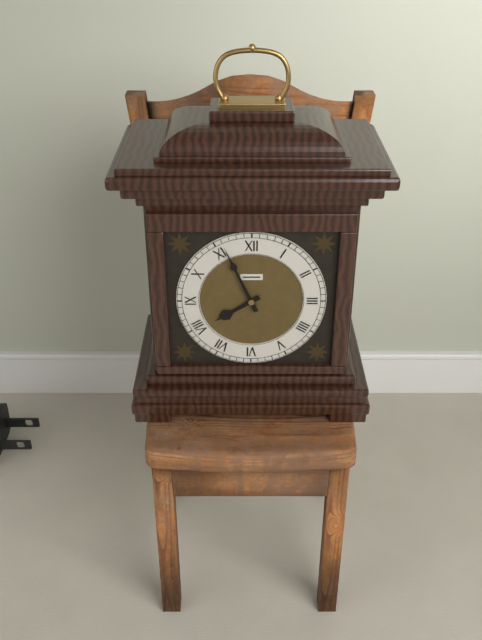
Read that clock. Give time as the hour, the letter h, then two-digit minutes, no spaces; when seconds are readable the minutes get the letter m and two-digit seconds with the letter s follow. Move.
7h56
